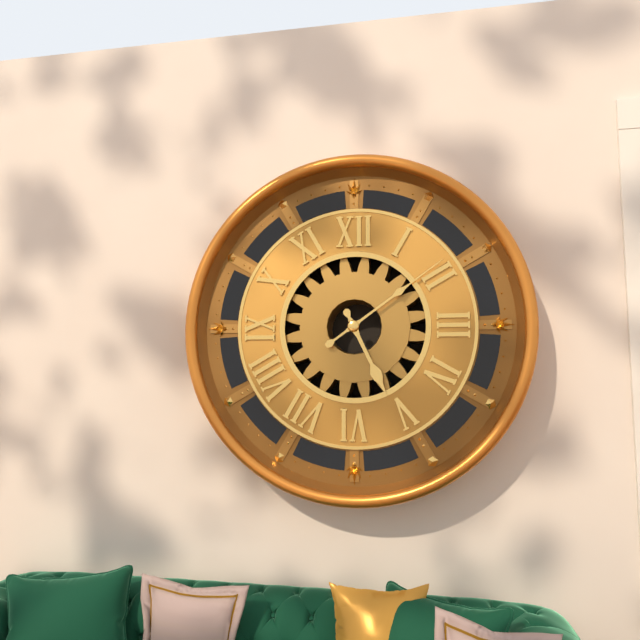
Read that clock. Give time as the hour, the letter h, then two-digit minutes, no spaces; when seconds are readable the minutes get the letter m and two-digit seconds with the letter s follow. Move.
5h09
